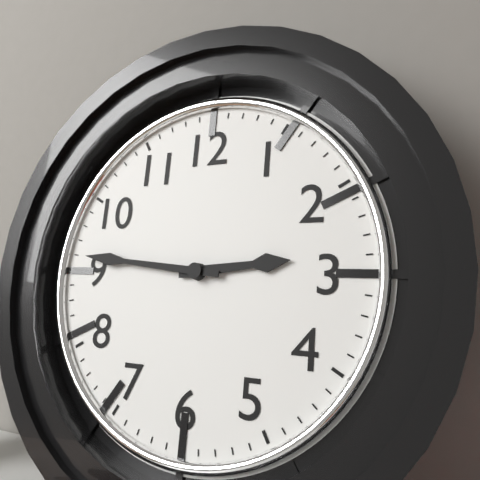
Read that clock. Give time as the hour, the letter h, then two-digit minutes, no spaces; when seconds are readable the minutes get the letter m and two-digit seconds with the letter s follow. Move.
2h46
